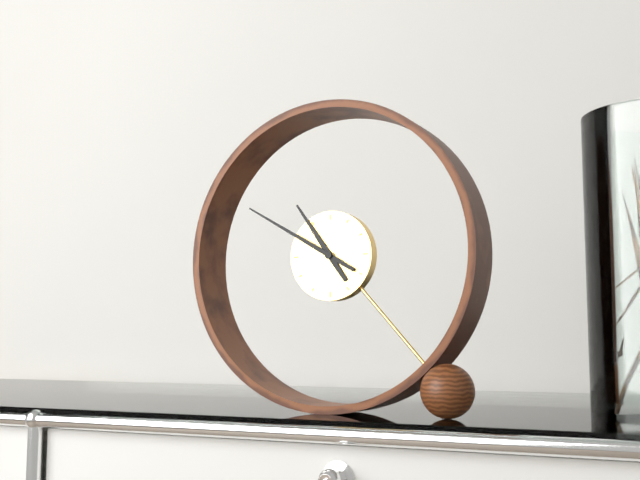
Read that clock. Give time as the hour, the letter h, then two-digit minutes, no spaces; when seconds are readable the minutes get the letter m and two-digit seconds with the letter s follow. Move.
10h50
